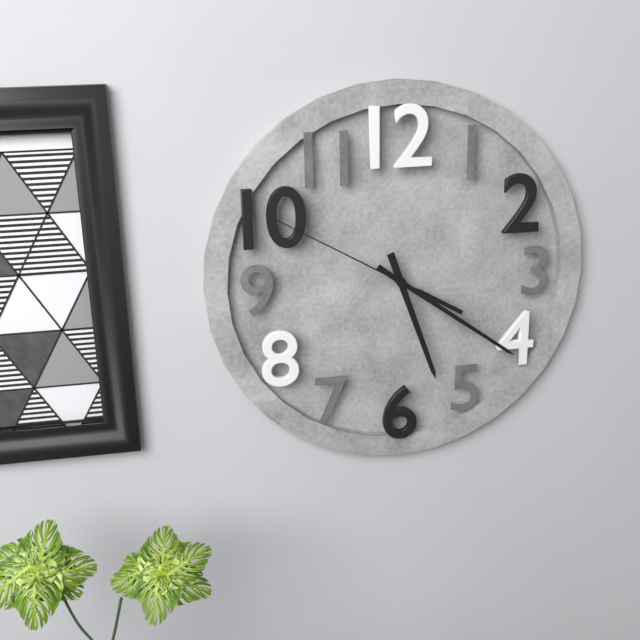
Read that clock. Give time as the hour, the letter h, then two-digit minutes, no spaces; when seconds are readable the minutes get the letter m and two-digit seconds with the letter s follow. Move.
5h21m50s
